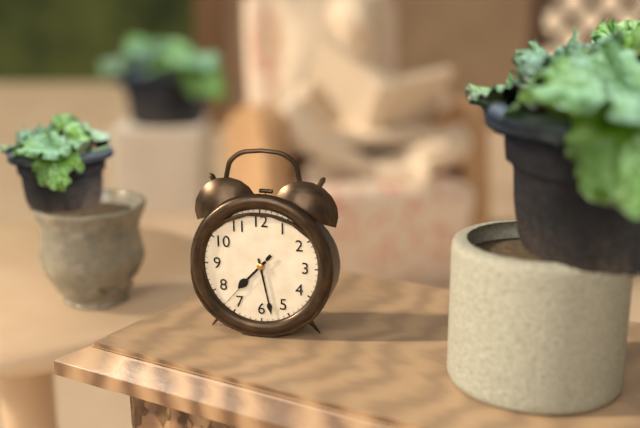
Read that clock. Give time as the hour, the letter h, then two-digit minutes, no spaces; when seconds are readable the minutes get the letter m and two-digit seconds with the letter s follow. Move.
7h28m37s
